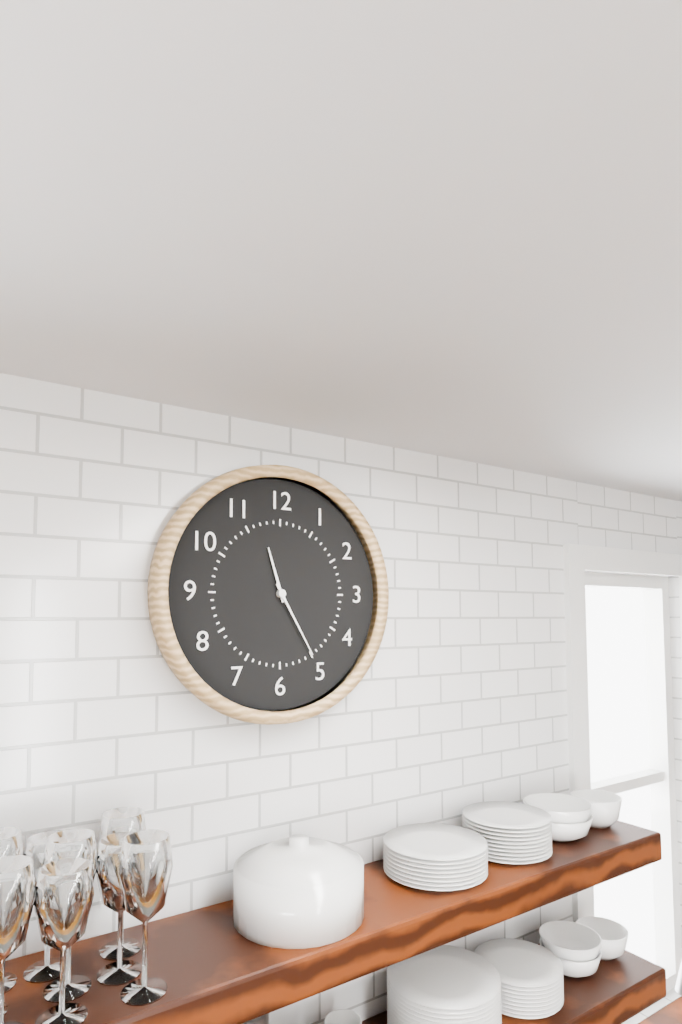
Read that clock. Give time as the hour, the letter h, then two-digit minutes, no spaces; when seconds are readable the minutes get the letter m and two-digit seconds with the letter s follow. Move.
11h25
